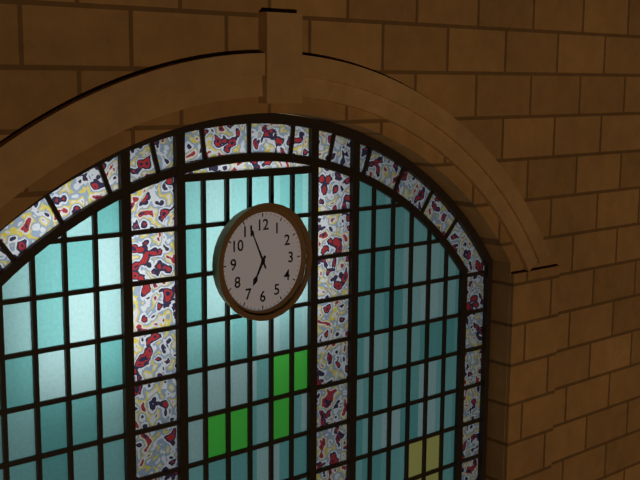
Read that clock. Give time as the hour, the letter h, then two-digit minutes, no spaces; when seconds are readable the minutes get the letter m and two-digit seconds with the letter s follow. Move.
6h56
